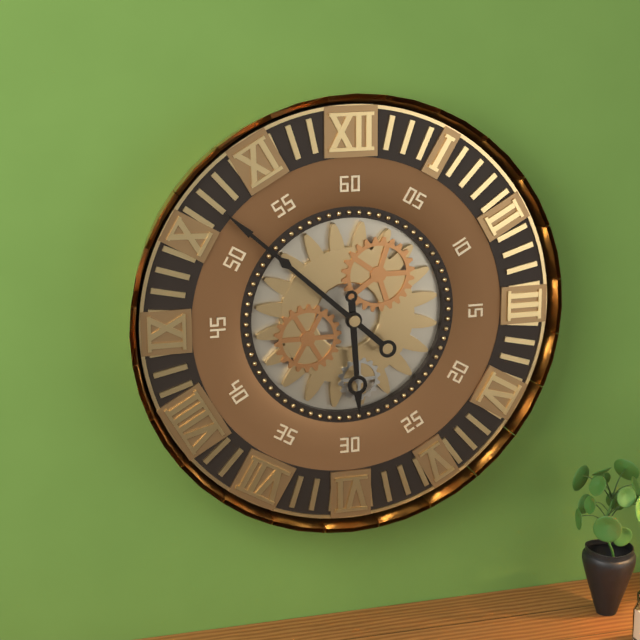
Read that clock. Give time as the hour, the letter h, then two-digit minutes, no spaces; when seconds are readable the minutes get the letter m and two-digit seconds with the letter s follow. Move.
5h52
